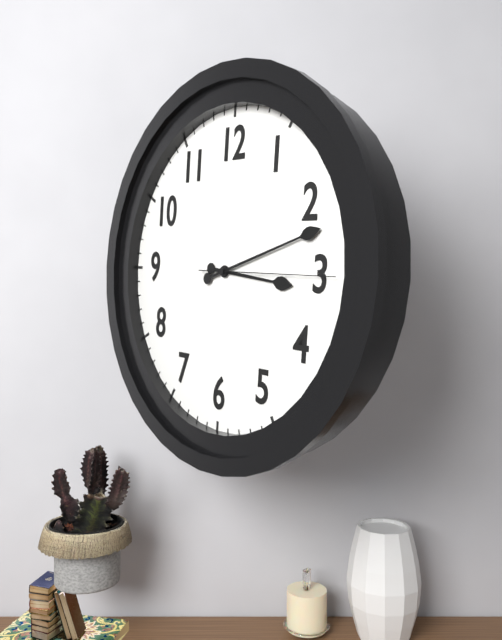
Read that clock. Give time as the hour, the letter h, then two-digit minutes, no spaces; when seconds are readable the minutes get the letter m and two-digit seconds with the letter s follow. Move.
3h12m15s
